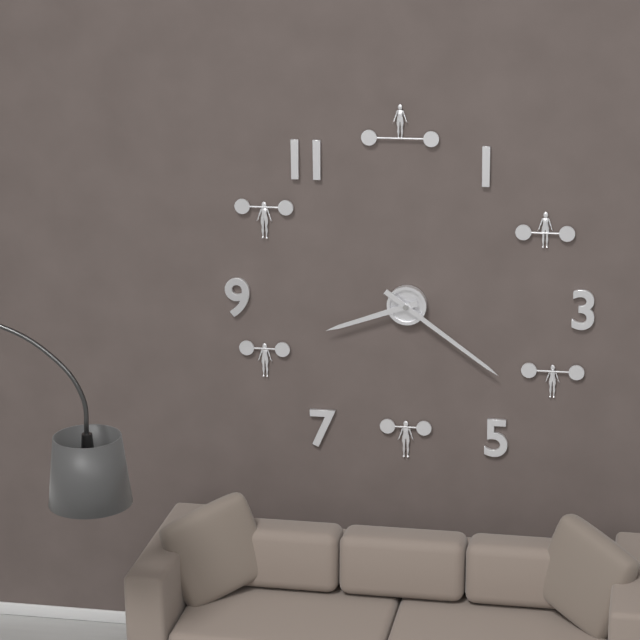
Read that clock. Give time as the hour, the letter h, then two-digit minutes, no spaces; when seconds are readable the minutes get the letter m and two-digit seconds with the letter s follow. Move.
8h21
